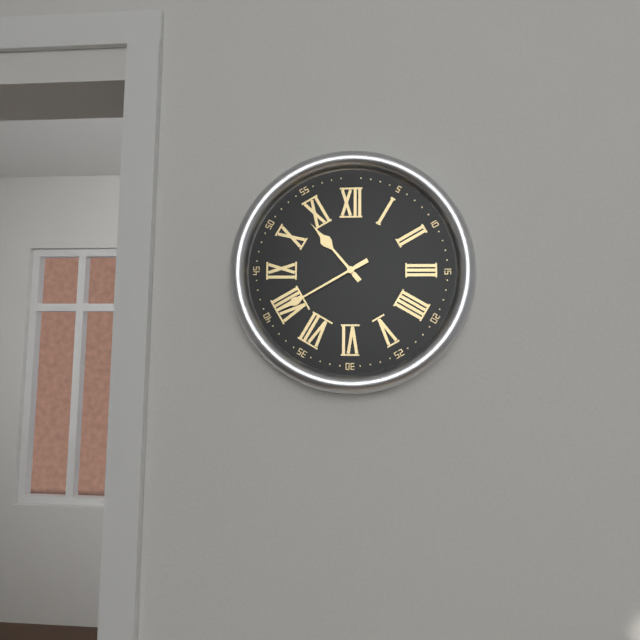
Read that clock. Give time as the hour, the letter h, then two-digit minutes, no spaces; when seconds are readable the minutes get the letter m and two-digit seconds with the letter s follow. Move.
10h40
